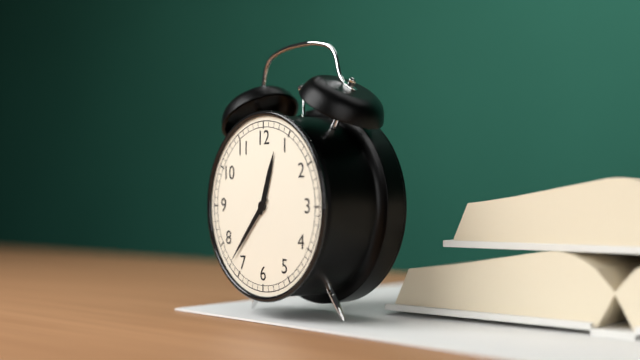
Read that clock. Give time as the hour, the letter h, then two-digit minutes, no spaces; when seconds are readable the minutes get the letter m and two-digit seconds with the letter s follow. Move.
12h37
